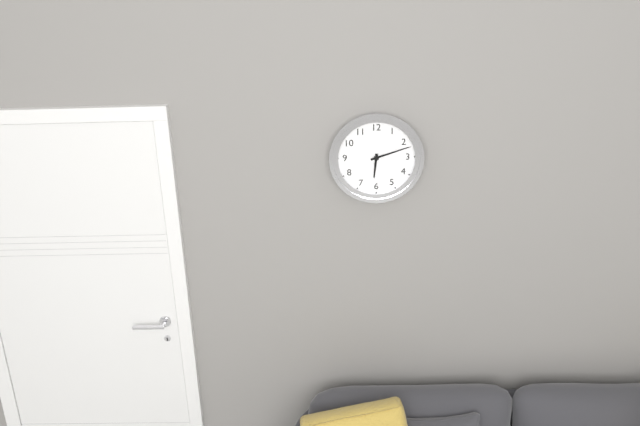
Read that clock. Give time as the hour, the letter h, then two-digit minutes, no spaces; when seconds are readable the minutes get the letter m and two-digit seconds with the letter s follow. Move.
6h12
